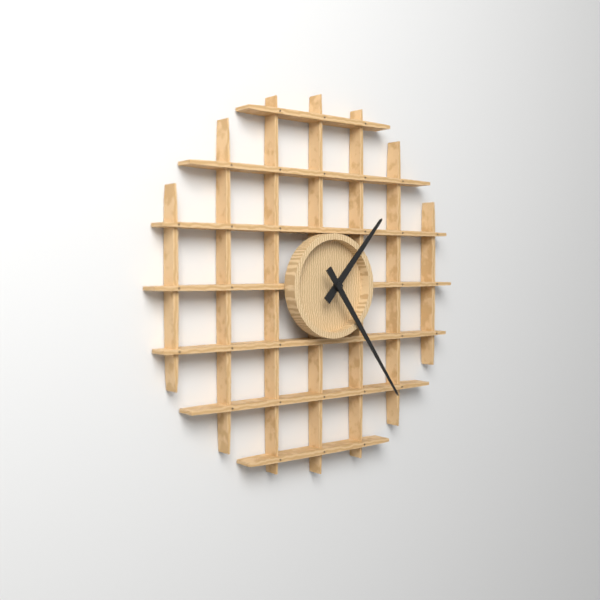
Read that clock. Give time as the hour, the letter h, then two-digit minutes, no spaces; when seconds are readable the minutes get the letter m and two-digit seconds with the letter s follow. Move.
1h24
